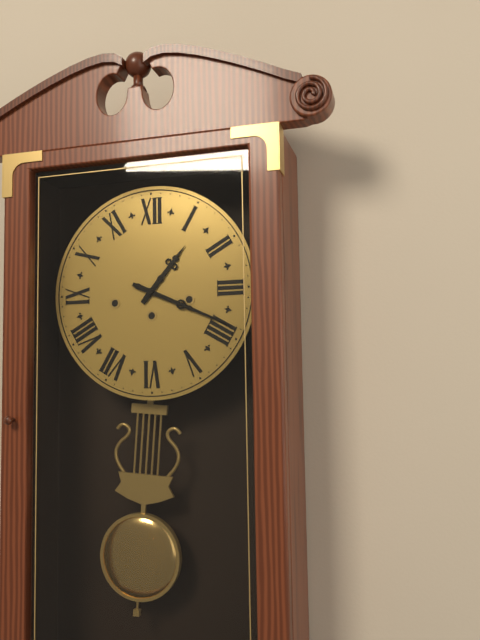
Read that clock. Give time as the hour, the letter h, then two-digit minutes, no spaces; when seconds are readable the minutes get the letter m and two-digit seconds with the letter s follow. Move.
1h19
